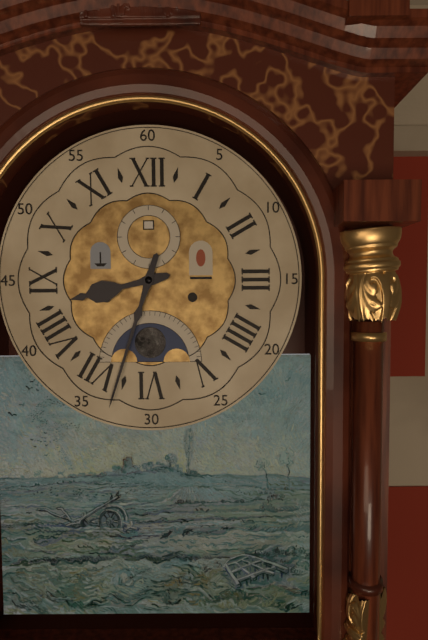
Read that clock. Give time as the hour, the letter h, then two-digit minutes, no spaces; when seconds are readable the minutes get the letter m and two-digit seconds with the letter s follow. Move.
8h33
